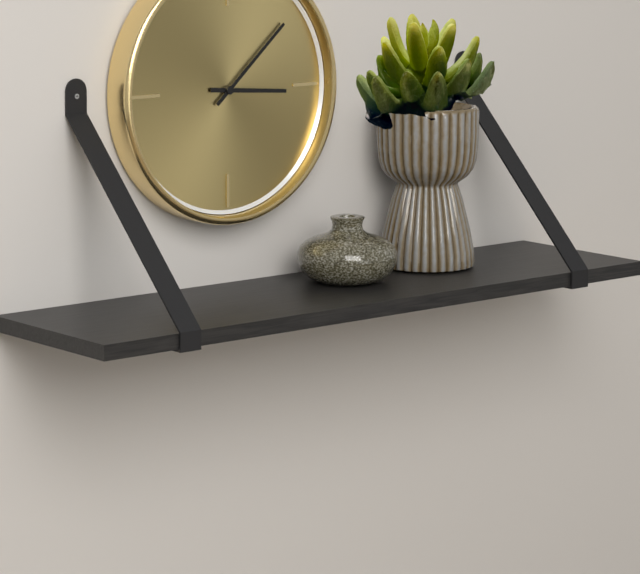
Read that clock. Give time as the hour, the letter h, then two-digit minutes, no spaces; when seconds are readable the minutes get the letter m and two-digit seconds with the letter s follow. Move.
3h08
